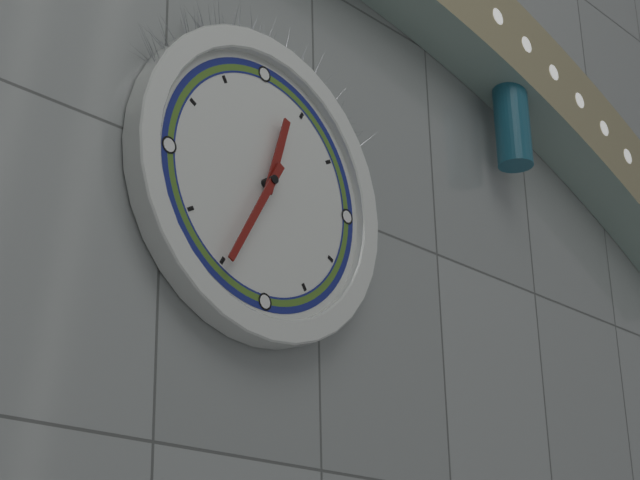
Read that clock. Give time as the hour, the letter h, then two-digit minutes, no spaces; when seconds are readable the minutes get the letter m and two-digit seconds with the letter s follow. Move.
12h35
